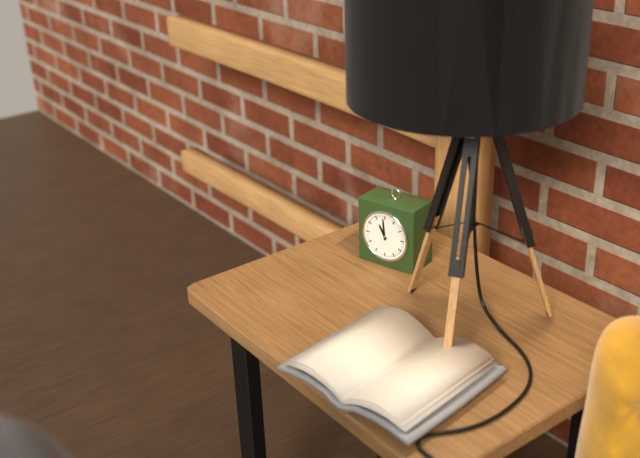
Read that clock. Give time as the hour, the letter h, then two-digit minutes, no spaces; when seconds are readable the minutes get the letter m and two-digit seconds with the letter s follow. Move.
10h59
